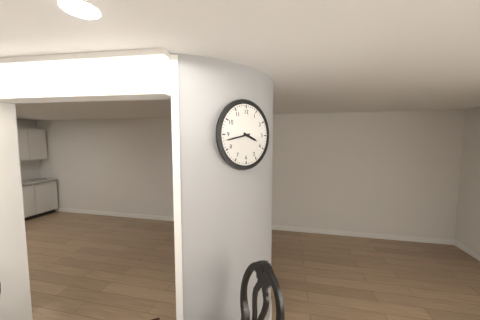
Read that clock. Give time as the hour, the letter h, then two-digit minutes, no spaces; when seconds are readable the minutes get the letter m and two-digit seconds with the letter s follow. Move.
3h43
